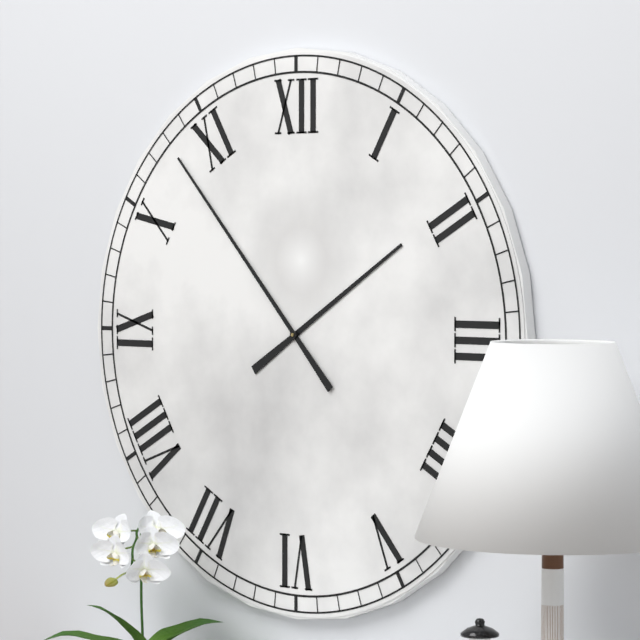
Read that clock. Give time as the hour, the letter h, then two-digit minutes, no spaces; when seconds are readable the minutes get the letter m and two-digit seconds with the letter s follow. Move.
1h53
